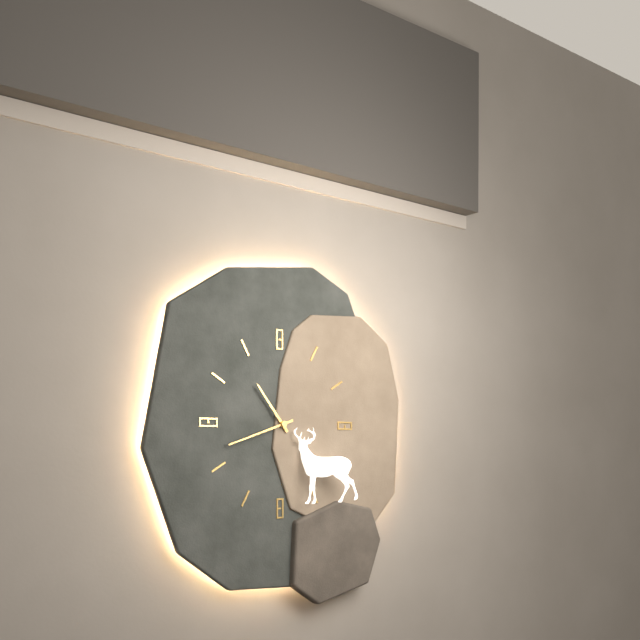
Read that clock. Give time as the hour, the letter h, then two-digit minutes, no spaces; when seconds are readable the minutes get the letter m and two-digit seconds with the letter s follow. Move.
10h42
